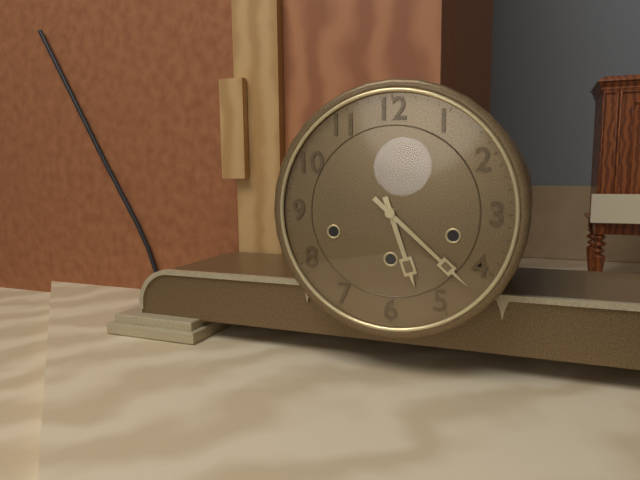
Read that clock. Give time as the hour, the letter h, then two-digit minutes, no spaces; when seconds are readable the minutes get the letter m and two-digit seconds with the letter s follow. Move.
5h22
